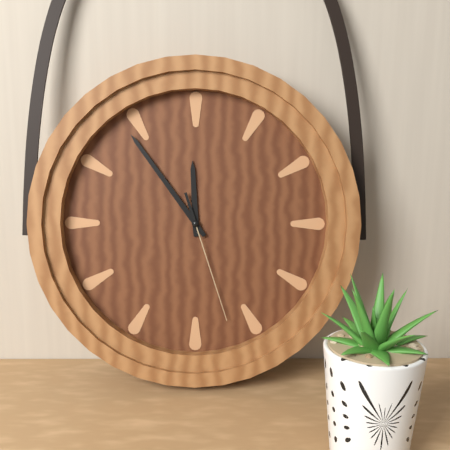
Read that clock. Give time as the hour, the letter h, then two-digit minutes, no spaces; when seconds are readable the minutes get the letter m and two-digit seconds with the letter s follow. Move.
11h54m27s
